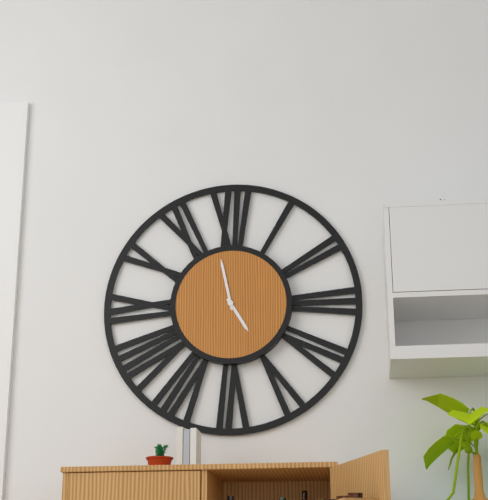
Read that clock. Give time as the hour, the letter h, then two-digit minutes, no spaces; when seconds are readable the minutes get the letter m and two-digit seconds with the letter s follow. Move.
4h58
